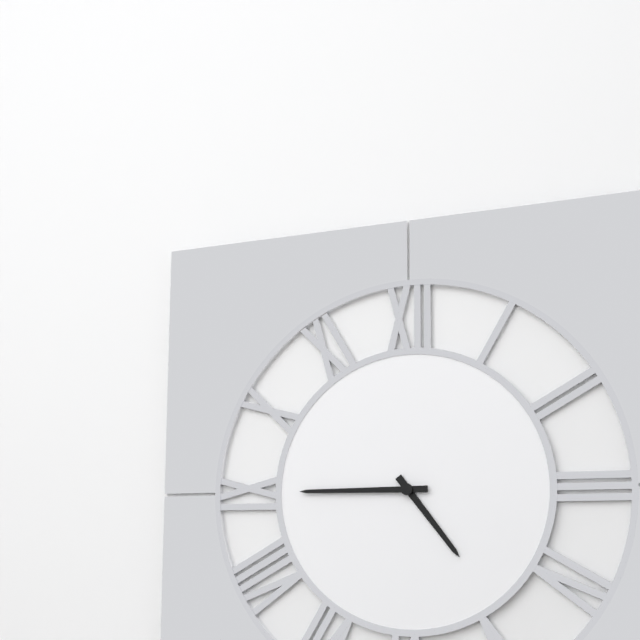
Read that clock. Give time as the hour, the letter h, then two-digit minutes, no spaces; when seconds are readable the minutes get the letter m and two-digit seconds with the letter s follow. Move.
4h45
